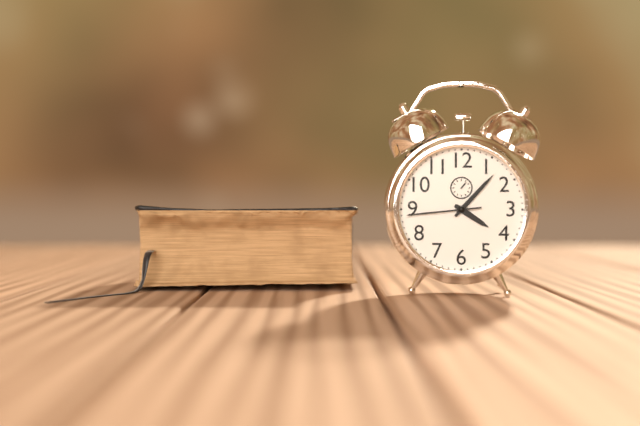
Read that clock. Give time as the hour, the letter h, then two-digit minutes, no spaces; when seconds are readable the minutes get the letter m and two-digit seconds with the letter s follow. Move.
4h07m44s
